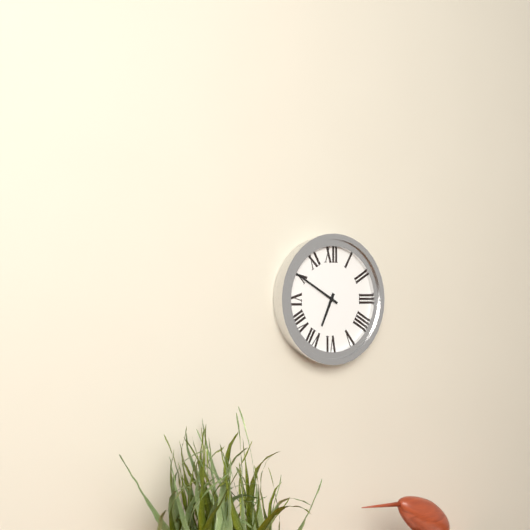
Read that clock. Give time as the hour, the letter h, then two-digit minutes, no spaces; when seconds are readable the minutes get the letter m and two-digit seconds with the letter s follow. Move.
6h50
